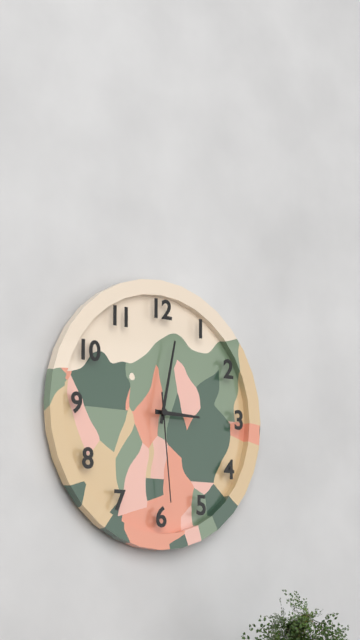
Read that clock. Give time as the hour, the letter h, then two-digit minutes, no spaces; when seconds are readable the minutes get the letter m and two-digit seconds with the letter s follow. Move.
3h02m29s
